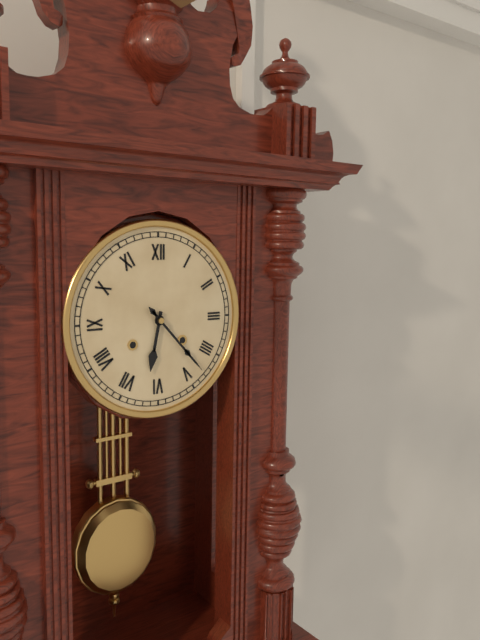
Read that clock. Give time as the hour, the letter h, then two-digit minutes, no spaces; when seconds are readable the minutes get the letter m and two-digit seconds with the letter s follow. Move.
6h23
